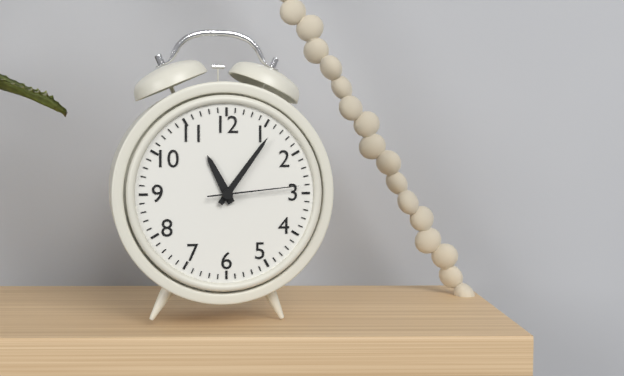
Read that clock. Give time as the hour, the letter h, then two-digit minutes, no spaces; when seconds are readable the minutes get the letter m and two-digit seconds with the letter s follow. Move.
11h06m14s
